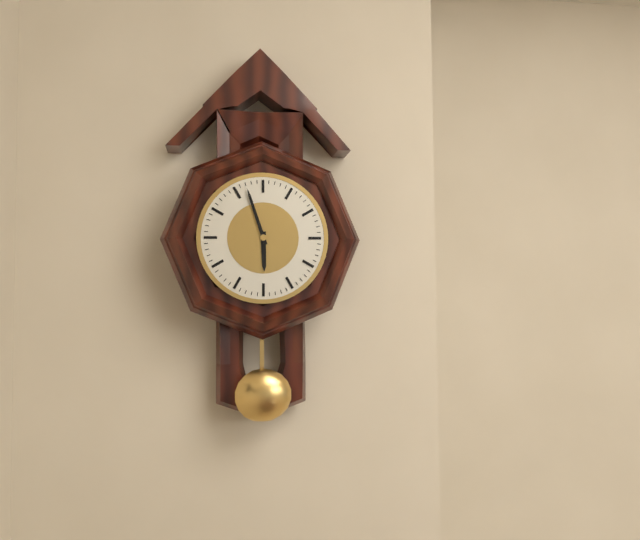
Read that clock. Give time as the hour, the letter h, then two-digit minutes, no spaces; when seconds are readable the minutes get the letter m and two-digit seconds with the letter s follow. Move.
5h57
